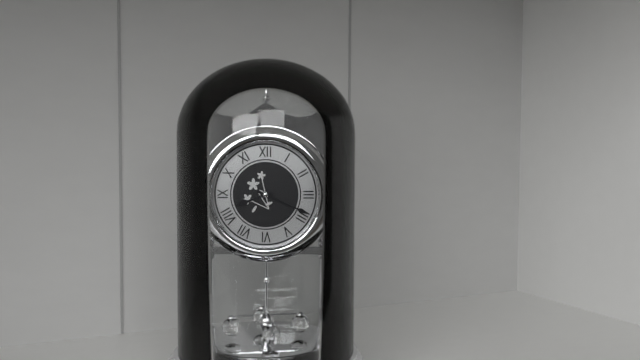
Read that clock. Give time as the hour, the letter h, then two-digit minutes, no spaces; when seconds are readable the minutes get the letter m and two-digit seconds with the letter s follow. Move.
8h19
